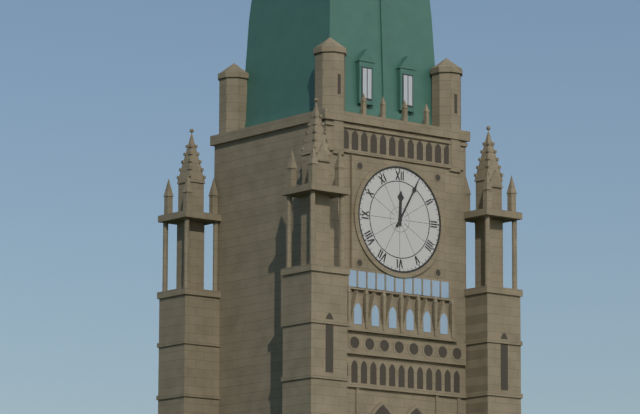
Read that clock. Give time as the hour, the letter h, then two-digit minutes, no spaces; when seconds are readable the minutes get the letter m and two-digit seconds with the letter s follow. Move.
12h05
